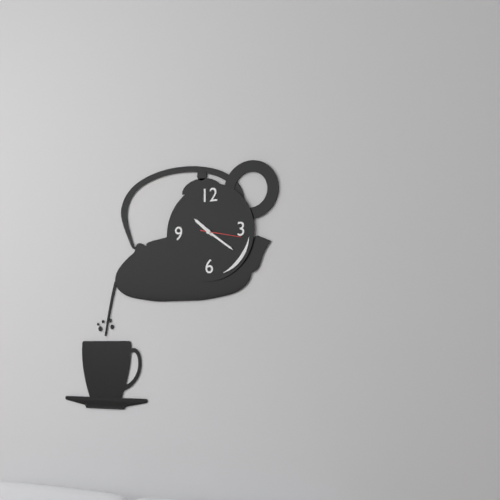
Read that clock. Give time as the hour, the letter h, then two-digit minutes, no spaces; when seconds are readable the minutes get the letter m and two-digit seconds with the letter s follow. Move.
10h21
